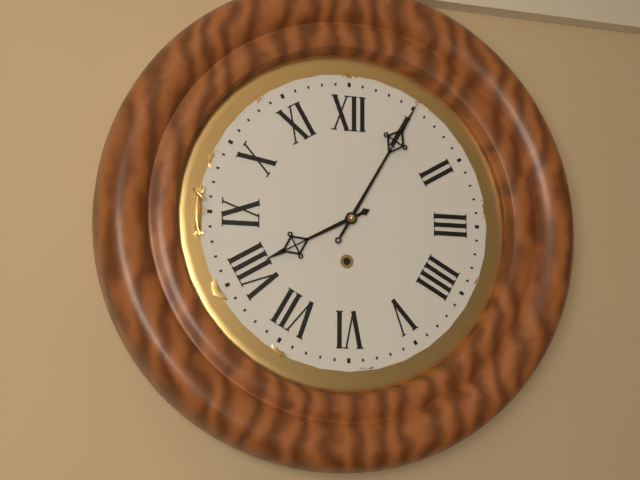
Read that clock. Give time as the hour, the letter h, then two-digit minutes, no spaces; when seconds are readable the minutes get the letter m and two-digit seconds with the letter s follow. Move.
8h05
